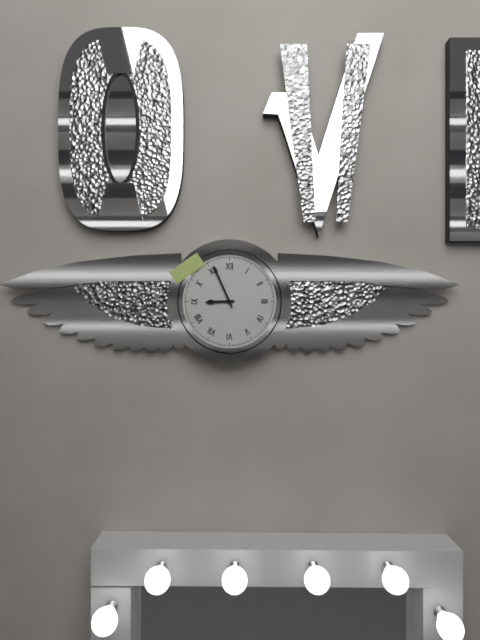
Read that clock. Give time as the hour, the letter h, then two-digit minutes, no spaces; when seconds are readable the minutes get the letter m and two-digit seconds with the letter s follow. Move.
8h56
